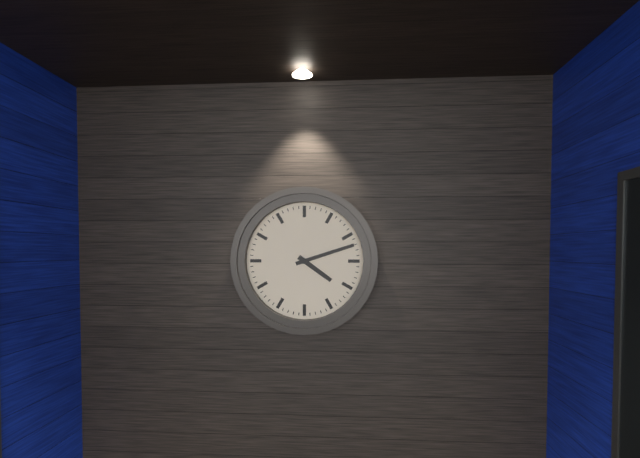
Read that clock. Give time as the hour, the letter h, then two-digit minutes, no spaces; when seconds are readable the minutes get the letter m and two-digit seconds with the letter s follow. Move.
4h12
